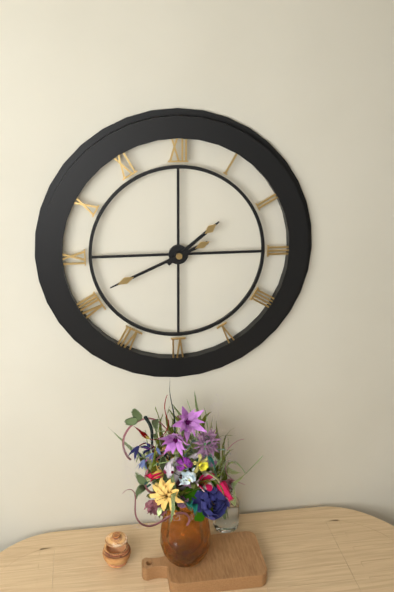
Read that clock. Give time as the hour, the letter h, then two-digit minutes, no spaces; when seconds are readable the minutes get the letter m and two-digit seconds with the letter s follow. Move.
1h41
